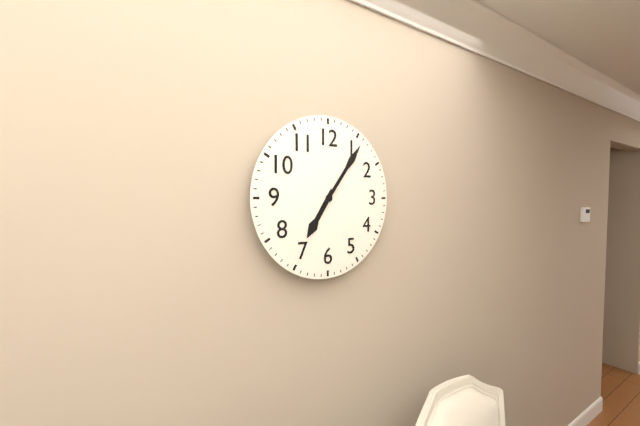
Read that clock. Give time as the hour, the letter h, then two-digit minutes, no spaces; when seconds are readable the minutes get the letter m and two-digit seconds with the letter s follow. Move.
7h06
